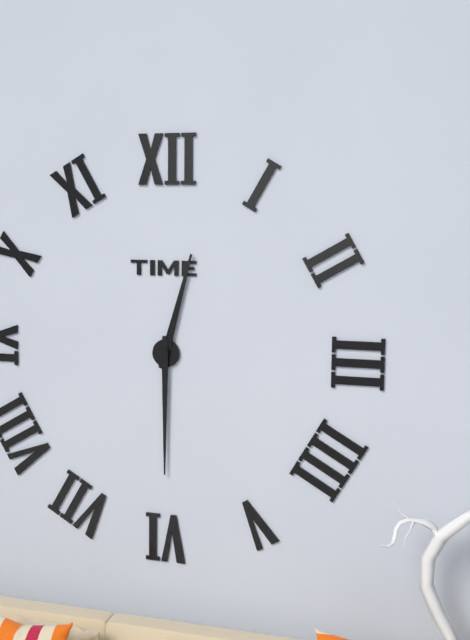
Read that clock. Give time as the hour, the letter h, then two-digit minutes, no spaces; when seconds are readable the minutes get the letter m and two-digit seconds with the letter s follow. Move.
12h30
